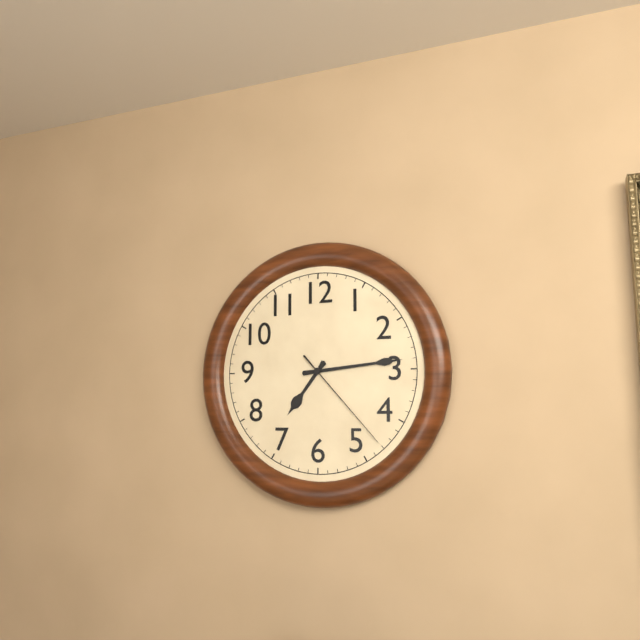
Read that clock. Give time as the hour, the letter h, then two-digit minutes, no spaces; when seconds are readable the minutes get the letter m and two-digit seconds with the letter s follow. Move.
7h14m23s
